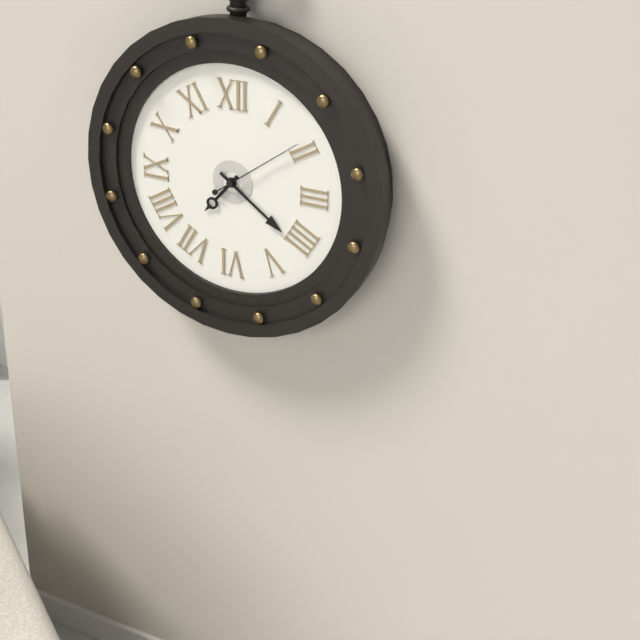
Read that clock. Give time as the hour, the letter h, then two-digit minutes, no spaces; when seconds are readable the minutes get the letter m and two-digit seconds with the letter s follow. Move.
7h21m09s
